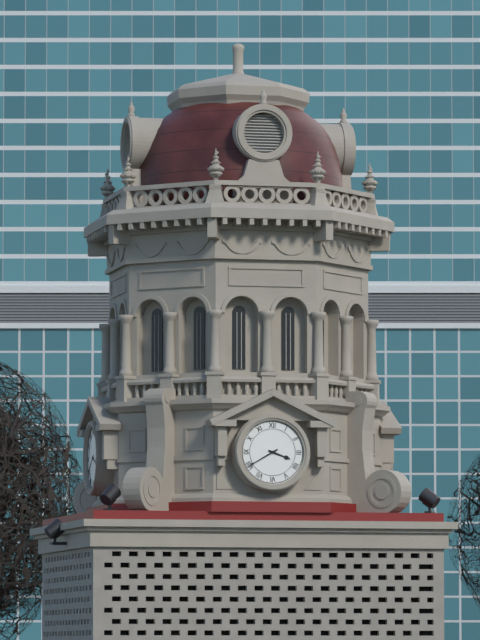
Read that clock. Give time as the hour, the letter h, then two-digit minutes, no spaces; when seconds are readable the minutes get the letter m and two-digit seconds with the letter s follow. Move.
3h40
